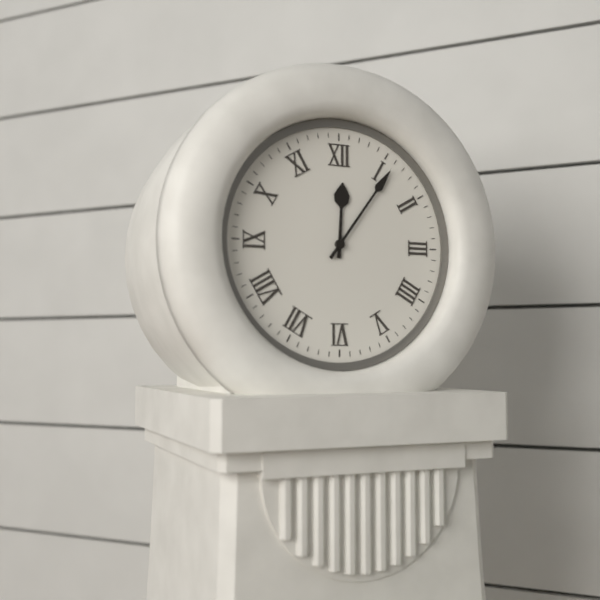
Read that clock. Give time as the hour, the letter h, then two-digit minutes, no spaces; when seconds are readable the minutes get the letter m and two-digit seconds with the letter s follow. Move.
12h06
